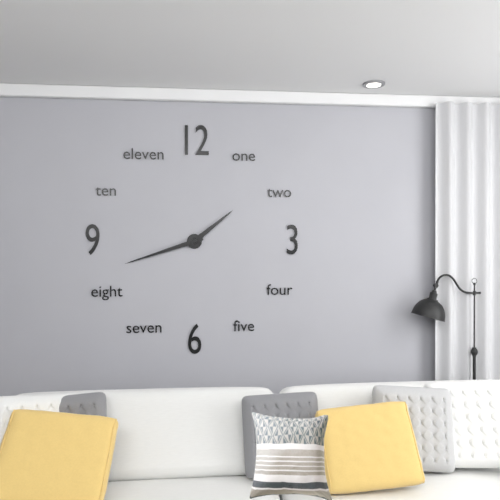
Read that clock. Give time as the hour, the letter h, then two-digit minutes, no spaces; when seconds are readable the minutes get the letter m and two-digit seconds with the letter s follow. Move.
1h42
